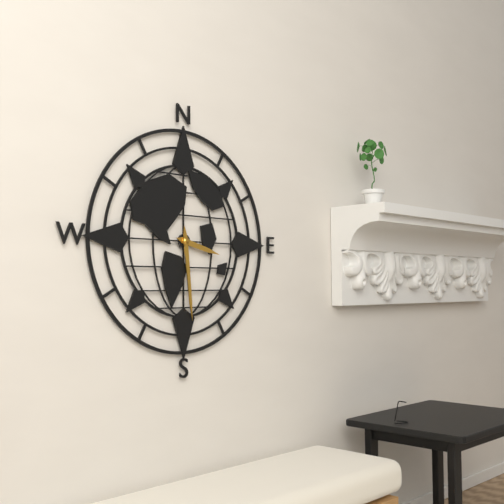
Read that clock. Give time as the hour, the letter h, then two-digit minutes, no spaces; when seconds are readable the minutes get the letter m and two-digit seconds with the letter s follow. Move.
3h29
